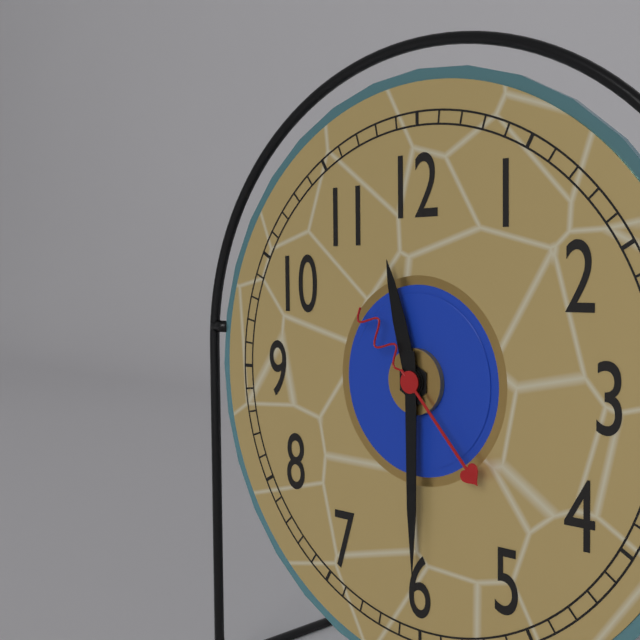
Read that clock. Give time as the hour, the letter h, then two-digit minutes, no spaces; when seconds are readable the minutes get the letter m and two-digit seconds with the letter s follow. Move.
11h30m23s
